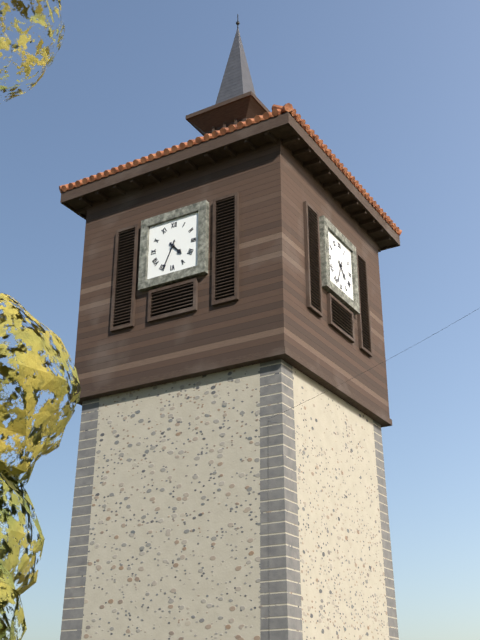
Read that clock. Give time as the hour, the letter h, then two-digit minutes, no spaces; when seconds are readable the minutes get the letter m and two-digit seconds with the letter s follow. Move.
4h34
